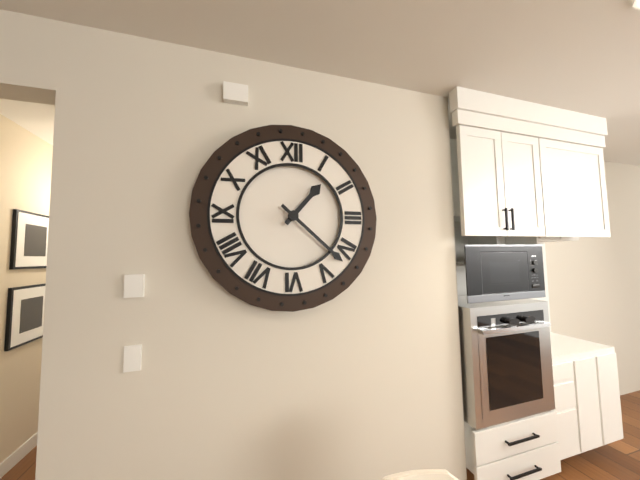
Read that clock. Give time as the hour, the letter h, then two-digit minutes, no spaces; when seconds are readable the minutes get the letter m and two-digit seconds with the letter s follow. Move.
1h22
